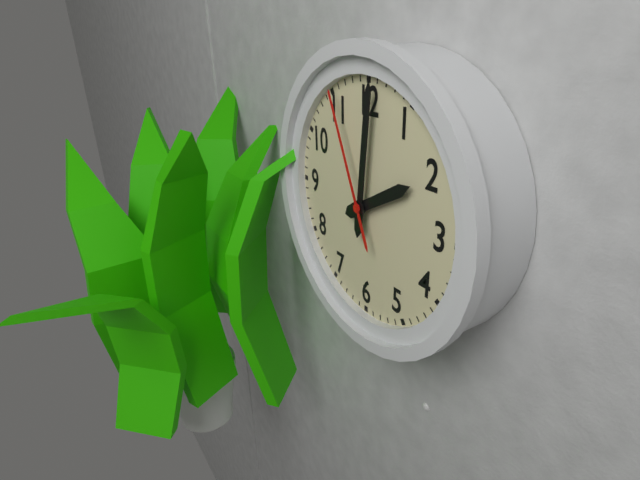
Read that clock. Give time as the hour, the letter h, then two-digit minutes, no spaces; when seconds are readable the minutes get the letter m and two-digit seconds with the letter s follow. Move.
2h01m56s
